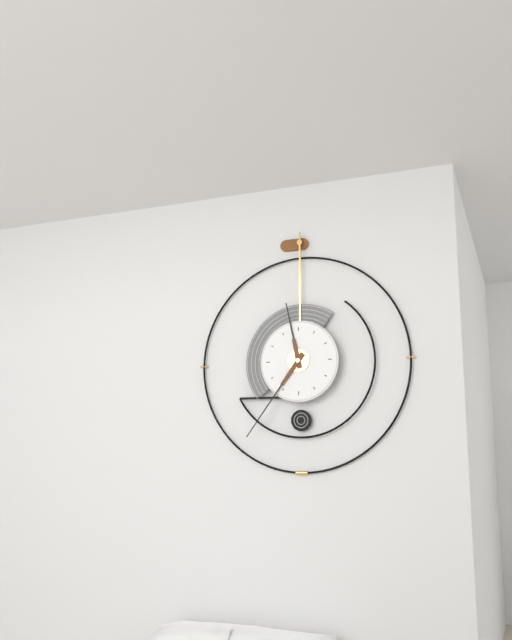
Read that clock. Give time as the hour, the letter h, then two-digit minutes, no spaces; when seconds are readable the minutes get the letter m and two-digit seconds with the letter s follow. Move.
11h36
